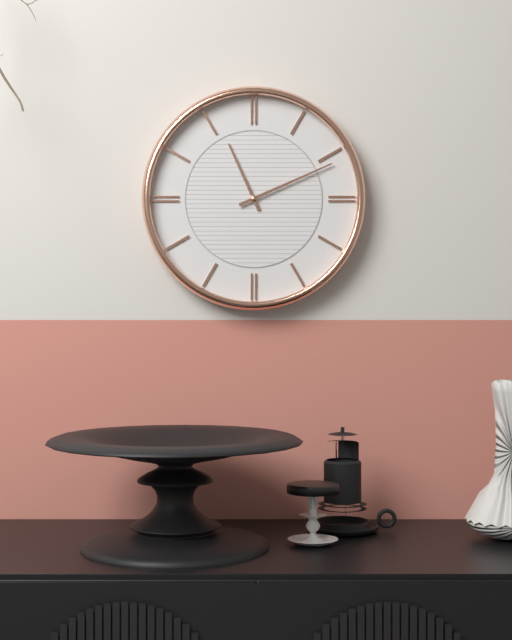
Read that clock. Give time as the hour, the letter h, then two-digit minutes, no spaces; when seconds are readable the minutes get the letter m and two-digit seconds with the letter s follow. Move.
11h11
